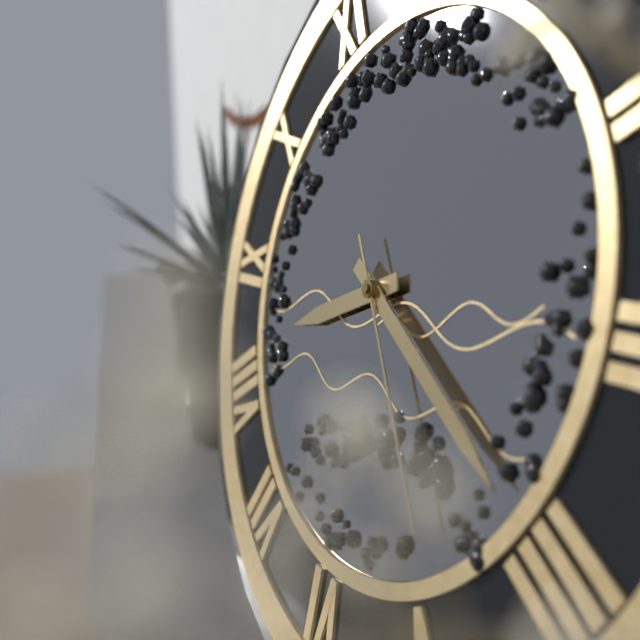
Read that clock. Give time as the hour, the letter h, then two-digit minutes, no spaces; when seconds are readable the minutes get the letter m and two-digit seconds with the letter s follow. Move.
8h20m24s
